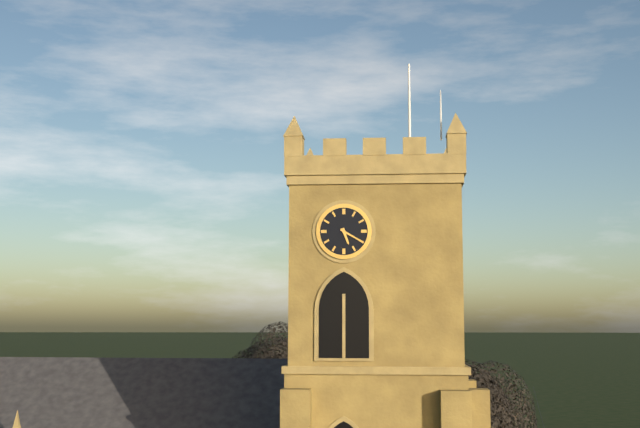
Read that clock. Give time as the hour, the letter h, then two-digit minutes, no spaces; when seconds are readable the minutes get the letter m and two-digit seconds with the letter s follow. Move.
5h20
